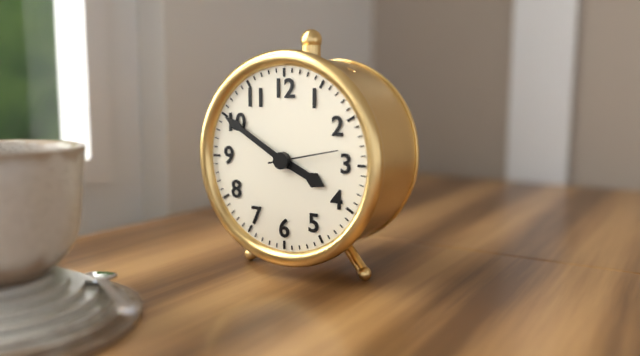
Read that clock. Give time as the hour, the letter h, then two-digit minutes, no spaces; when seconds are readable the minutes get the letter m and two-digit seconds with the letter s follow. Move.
3h50m13s
